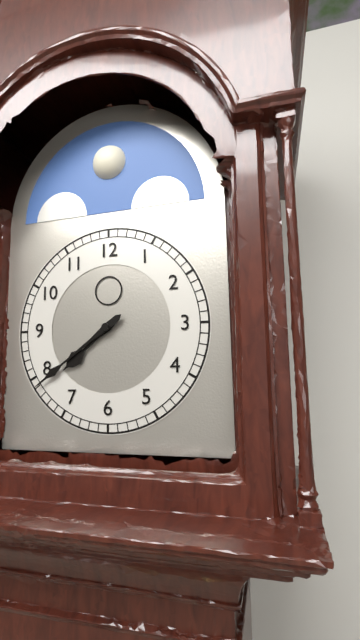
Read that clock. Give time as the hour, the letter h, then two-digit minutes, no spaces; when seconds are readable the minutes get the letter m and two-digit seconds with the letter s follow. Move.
7h39
